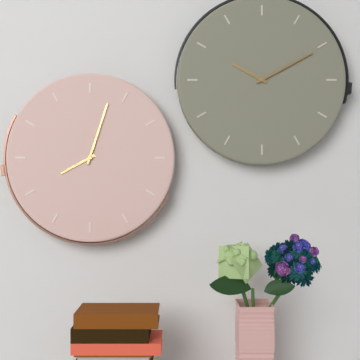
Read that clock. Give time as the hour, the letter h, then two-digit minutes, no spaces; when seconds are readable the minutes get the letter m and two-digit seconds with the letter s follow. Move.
8h03
